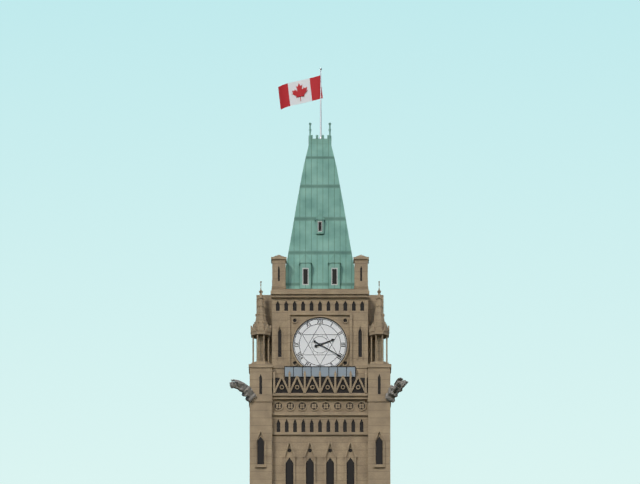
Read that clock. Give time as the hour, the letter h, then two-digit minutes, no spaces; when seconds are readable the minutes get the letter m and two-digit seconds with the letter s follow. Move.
2h20
